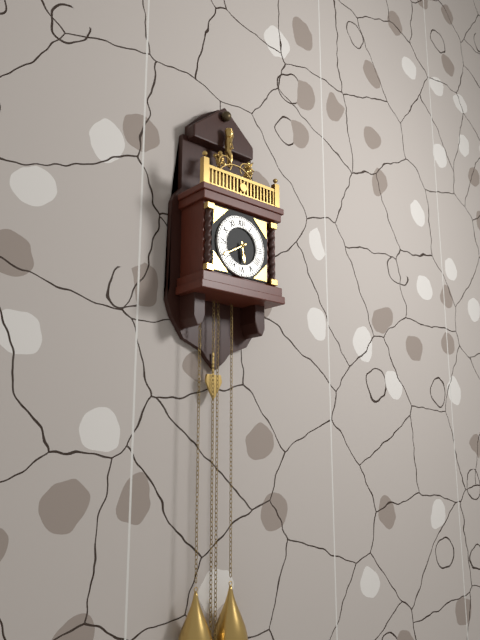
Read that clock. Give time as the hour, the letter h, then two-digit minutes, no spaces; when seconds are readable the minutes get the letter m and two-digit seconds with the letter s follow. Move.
5h40
